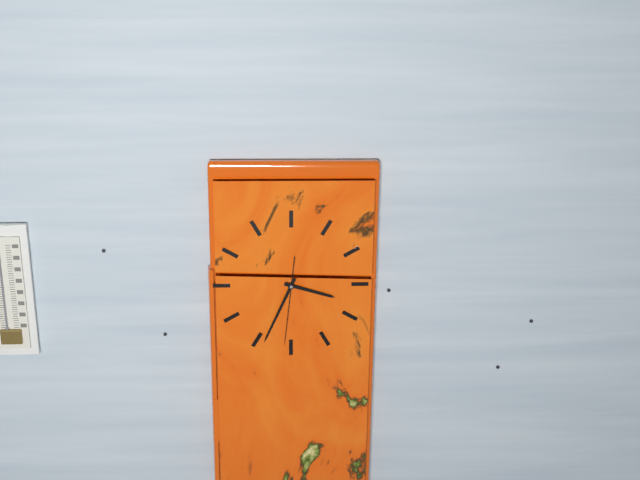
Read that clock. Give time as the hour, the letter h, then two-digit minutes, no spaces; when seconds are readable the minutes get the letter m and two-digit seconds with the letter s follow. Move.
3h34m31s
